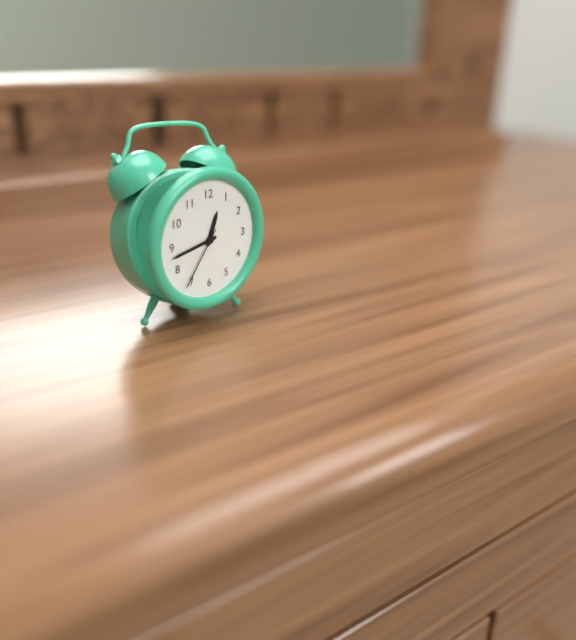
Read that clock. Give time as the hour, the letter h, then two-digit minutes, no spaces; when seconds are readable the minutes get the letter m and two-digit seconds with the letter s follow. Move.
12h43m36s
